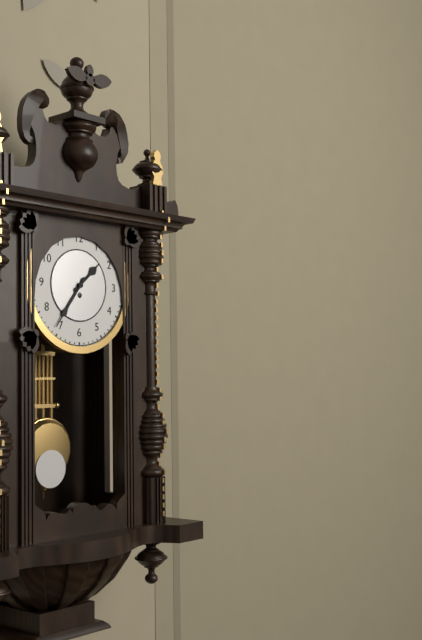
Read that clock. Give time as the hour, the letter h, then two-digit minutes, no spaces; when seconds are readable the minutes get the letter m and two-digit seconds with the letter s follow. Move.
1h36
